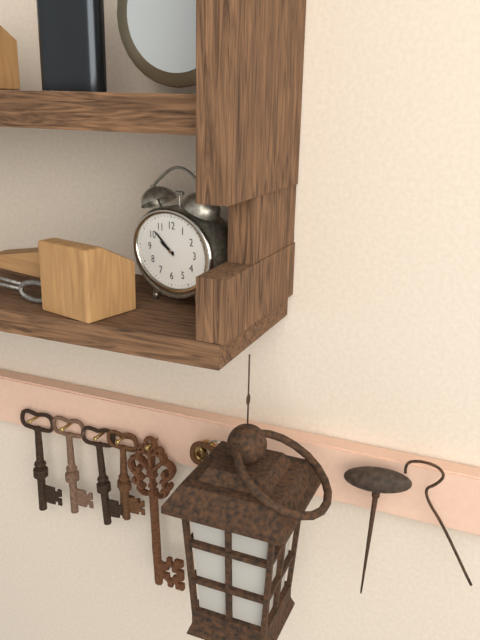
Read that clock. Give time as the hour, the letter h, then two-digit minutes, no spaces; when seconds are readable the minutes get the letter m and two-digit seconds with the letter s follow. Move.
9h51
